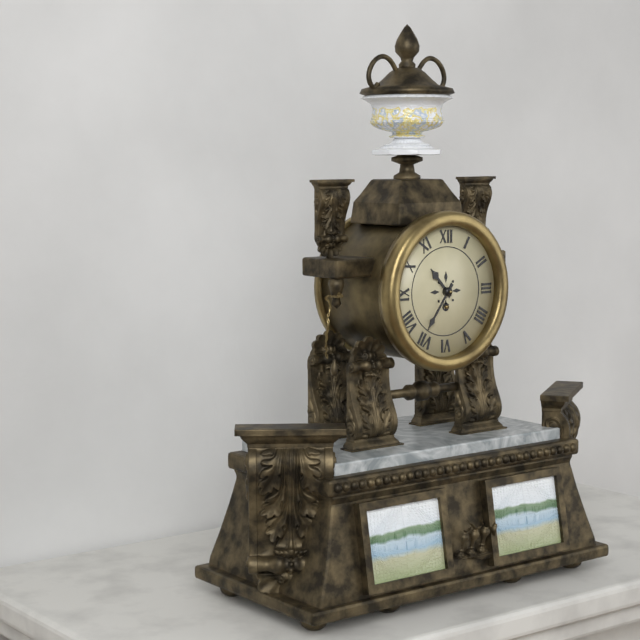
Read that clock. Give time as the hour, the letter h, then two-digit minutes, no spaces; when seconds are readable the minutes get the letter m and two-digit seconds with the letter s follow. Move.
10h36
